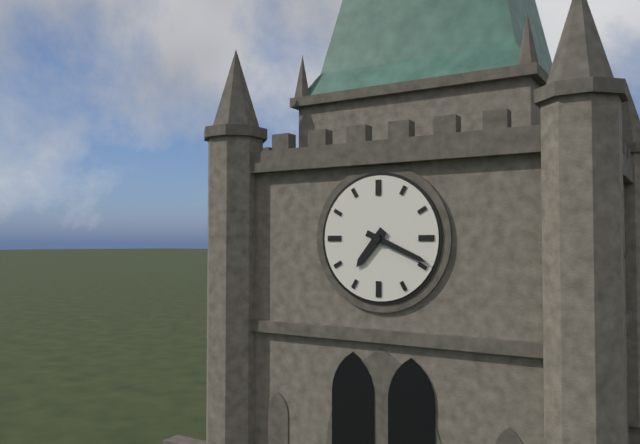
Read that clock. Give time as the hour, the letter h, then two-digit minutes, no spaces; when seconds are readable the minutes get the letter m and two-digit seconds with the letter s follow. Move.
7h19
